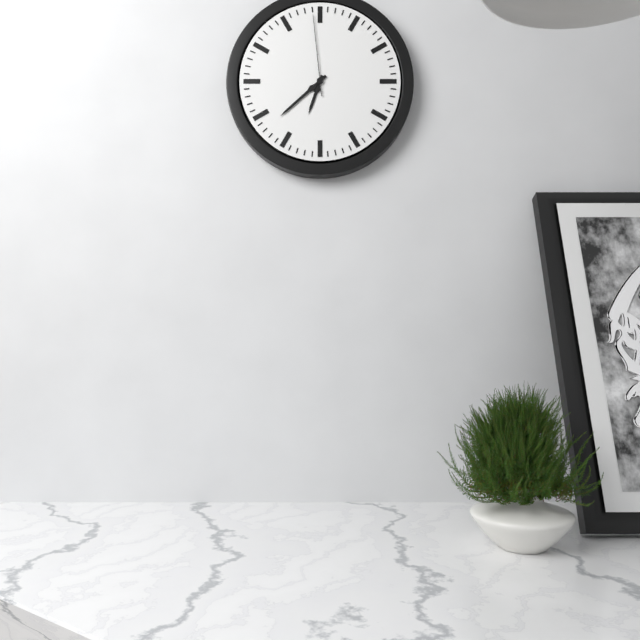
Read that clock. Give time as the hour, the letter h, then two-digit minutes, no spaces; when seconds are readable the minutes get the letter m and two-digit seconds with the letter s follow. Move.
6h38m59s
